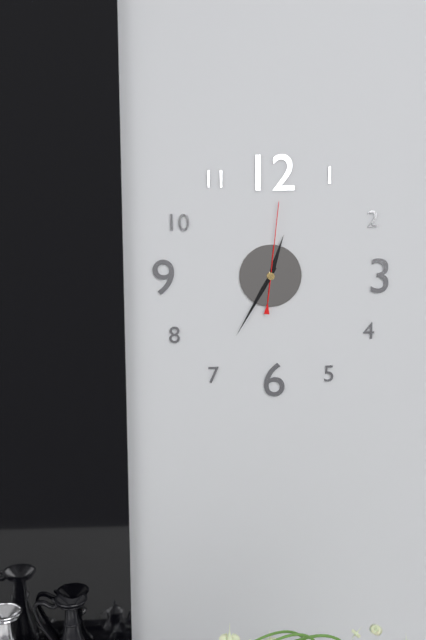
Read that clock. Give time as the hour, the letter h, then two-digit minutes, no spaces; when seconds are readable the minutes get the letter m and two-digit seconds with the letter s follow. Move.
12h35m01s
